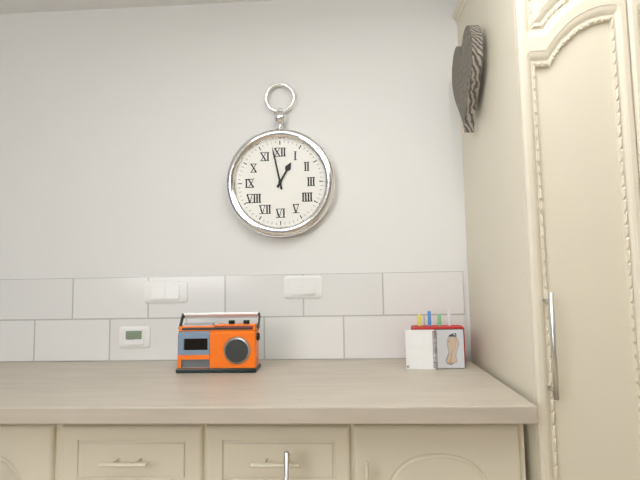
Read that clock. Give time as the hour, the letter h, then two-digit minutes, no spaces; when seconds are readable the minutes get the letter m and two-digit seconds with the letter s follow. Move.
12h58
